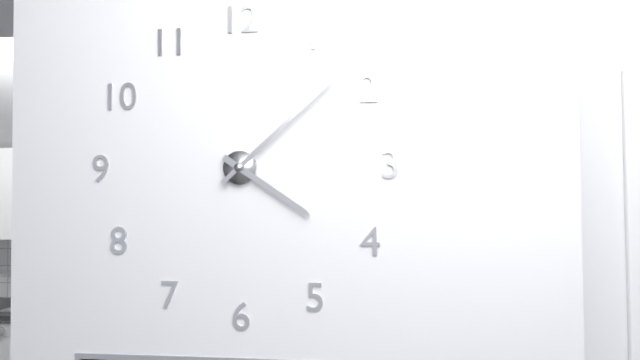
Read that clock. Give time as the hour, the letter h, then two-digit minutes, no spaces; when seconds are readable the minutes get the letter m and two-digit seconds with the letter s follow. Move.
4h08
